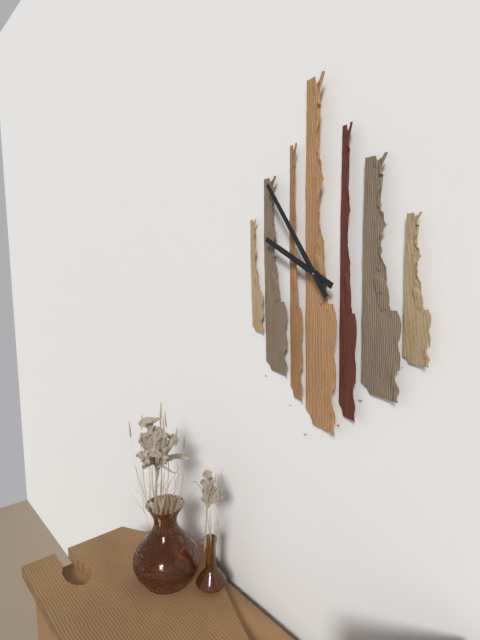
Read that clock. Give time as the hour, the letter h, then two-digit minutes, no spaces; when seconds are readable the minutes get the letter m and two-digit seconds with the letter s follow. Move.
9h54
